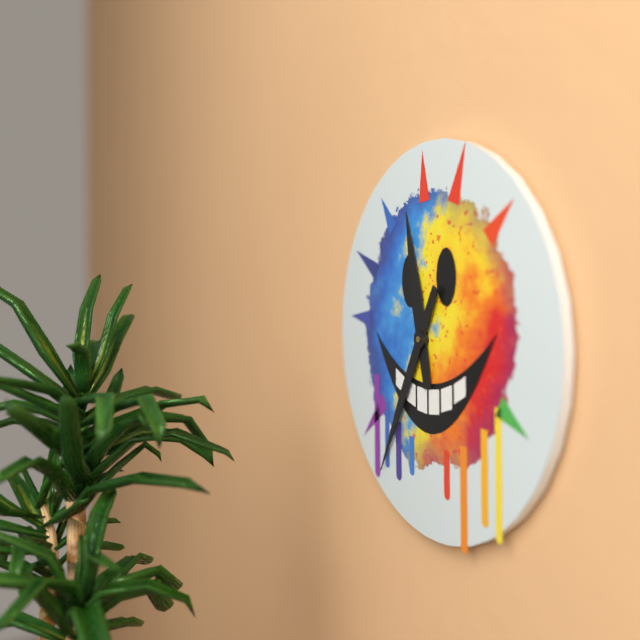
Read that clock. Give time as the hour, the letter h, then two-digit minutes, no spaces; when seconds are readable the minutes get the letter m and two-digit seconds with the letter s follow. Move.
11h35
